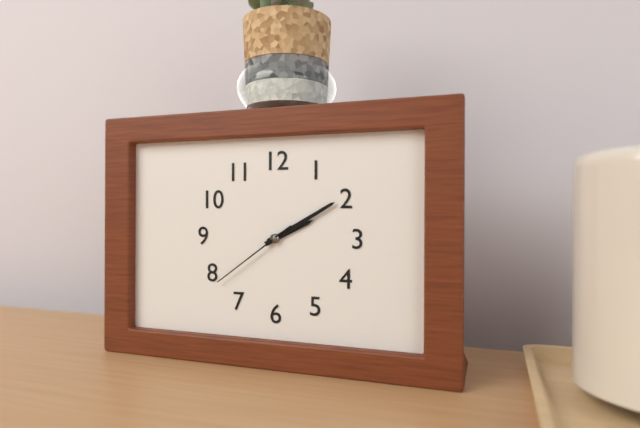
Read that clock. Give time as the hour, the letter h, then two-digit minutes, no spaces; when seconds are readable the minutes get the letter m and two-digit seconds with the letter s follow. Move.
2h10m39s
